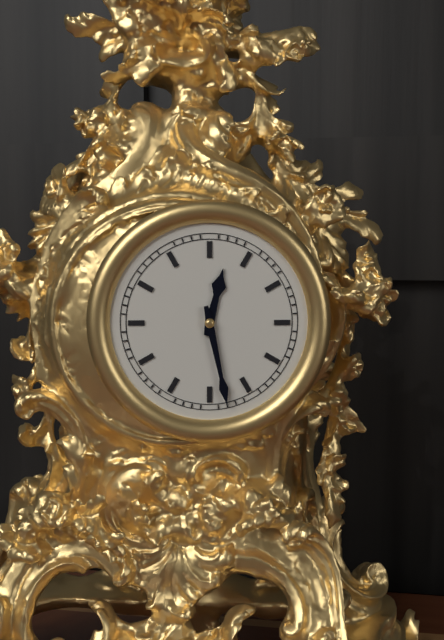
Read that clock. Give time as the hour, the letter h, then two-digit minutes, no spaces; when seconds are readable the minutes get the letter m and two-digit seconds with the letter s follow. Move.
12h28
